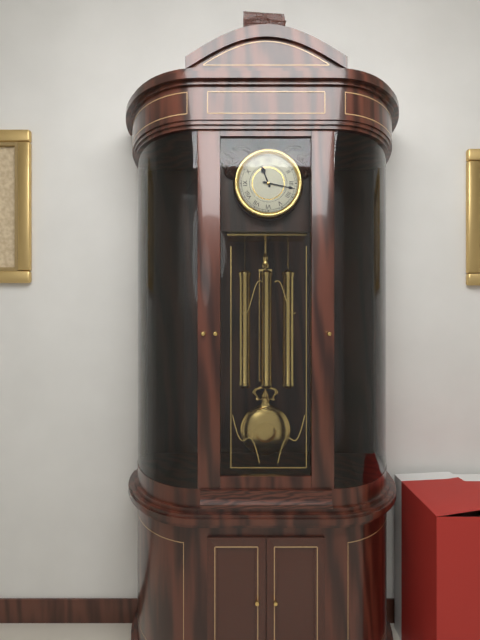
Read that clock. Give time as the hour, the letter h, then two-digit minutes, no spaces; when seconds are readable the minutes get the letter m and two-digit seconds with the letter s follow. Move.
11h17
